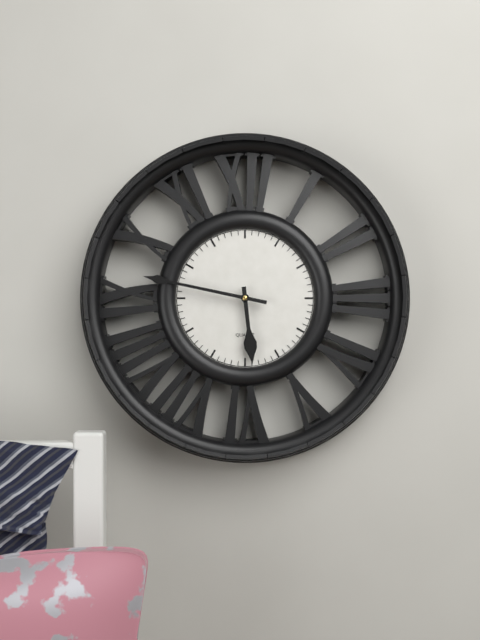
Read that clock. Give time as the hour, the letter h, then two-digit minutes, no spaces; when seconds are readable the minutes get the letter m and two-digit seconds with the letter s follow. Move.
5h47
